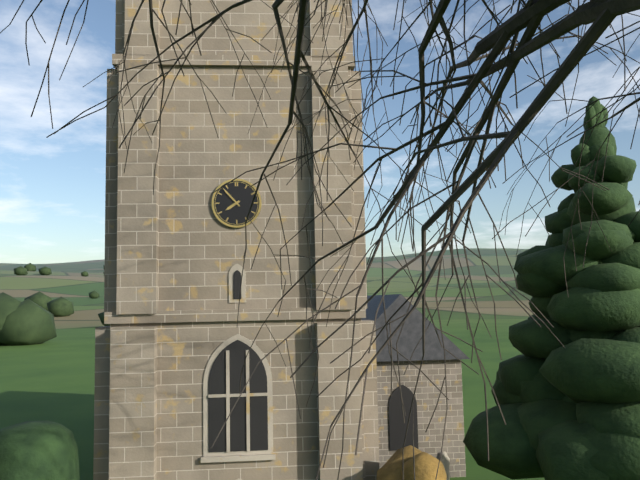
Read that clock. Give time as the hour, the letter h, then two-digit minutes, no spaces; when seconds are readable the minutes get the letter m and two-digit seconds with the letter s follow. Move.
7h53
